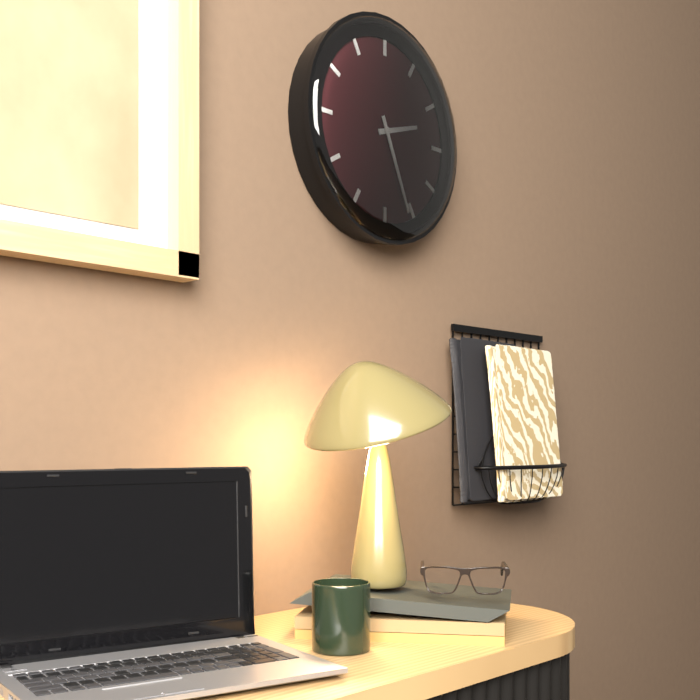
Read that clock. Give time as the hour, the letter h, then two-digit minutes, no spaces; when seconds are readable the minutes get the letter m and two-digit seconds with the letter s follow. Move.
2h26
